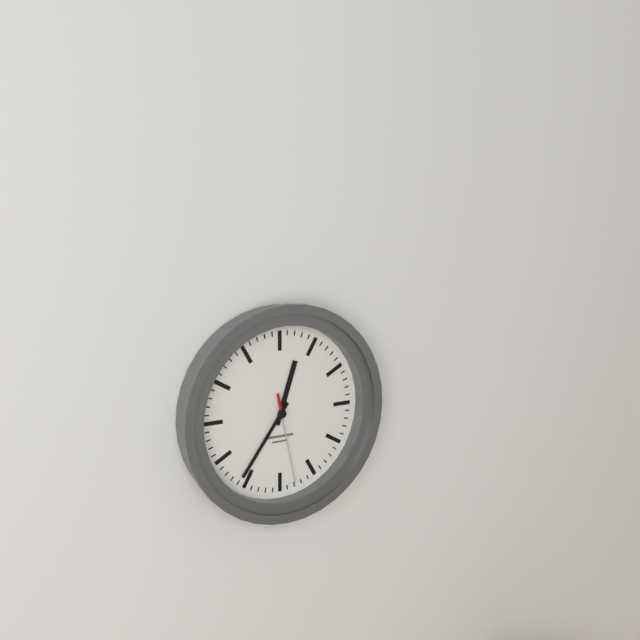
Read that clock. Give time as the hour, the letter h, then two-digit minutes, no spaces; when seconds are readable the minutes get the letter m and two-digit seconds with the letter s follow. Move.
12h36m28s
